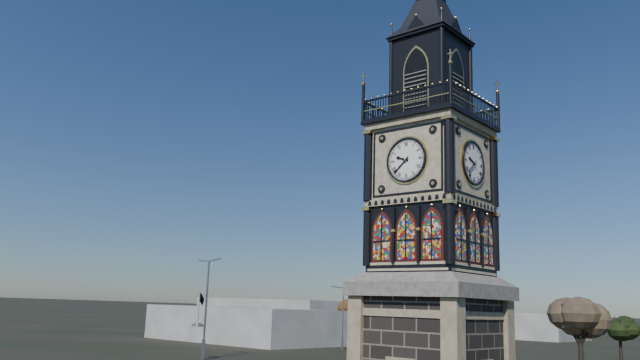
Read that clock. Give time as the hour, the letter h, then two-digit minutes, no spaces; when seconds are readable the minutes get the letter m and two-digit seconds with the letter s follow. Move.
9h38
